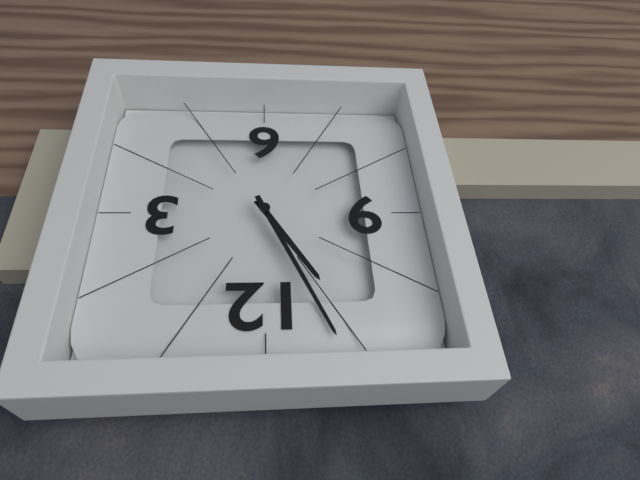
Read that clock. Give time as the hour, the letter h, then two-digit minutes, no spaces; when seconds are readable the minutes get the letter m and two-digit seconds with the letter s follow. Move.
10h56
